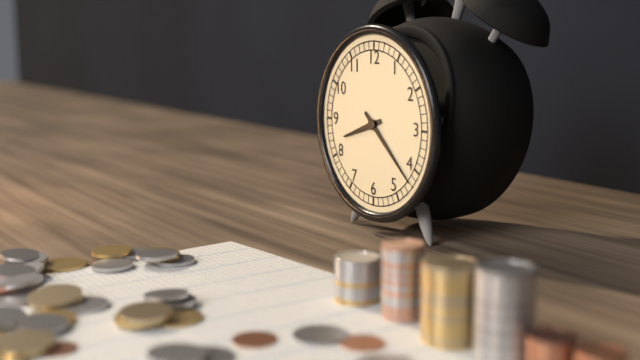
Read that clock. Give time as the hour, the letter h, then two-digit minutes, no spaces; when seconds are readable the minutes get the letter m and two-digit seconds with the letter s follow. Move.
8h22
